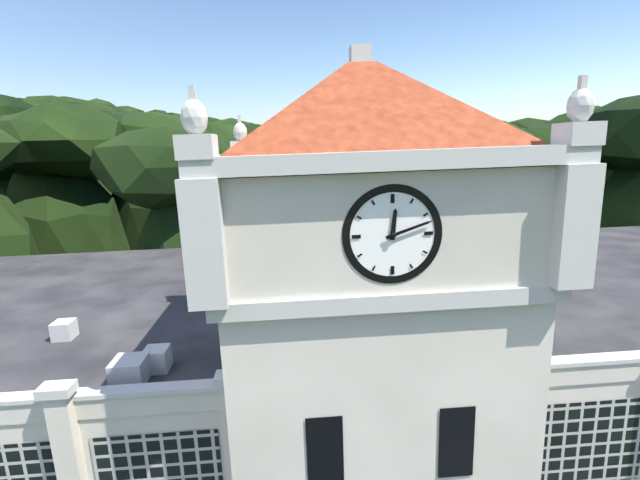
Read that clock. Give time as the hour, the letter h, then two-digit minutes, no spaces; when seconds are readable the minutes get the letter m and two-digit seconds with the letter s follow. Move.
12h12
